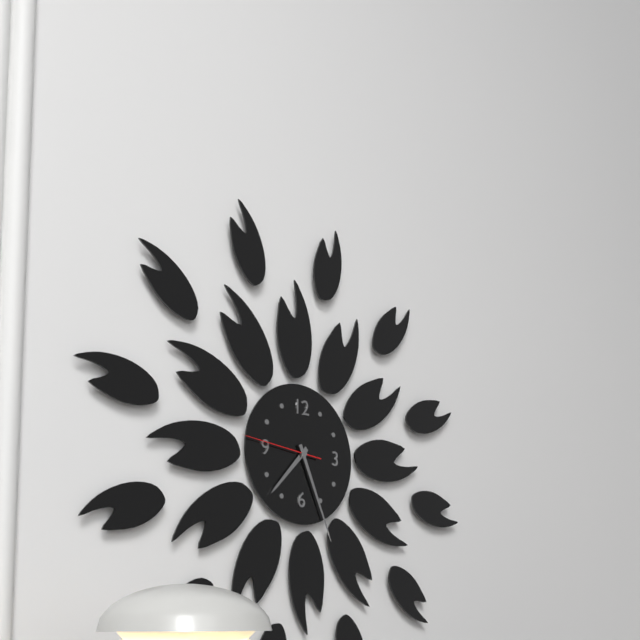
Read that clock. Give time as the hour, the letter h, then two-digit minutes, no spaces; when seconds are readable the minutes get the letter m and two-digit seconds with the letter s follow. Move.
7h26m46s
